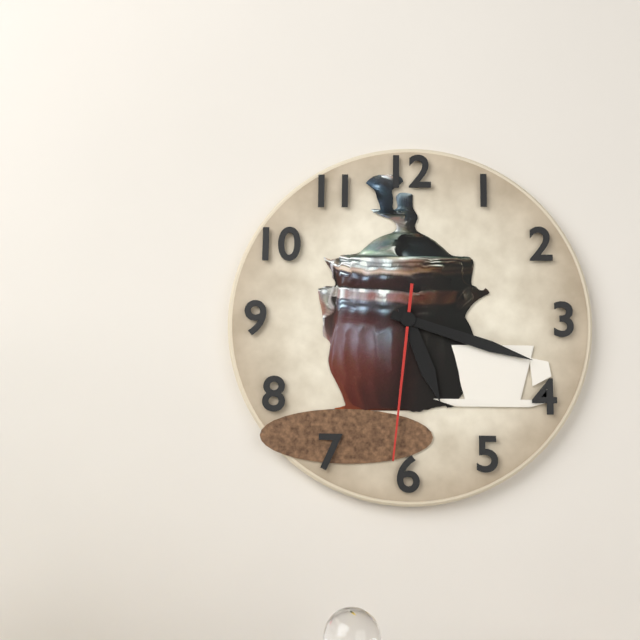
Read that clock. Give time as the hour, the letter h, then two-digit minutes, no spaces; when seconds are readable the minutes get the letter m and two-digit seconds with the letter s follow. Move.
5h18m31s
